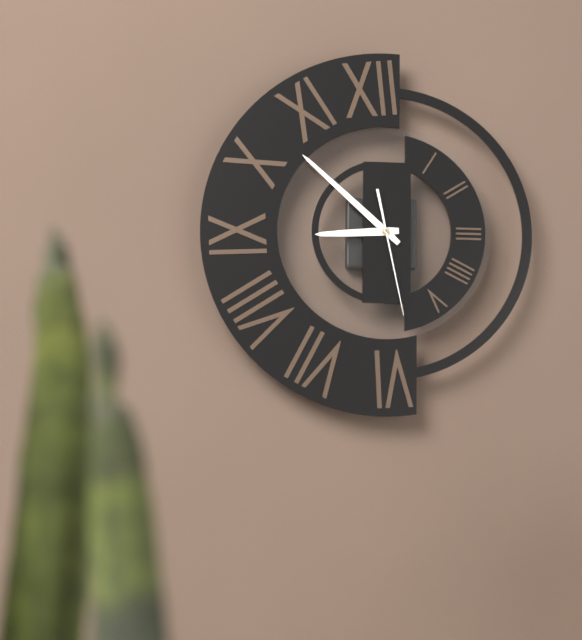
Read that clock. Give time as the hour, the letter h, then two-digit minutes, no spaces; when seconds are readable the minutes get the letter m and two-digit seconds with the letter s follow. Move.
8h52m28s
